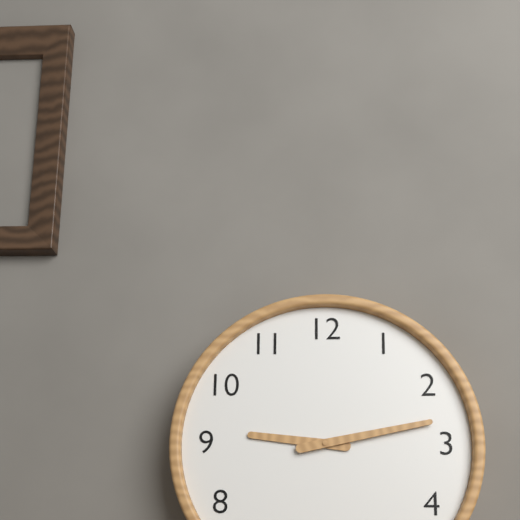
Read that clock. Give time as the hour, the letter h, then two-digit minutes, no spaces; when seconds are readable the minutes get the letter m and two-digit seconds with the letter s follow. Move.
9h13
